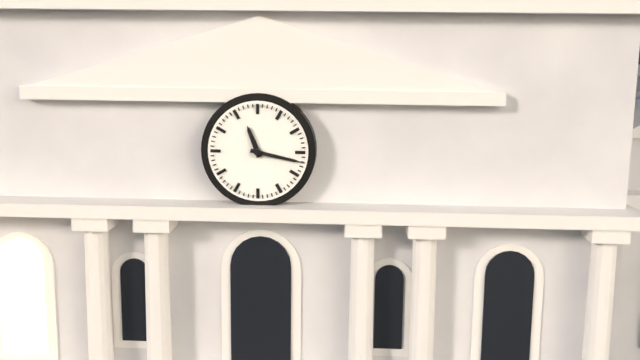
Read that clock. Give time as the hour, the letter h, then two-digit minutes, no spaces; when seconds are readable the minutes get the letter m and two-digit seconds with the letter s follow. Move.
11h17
